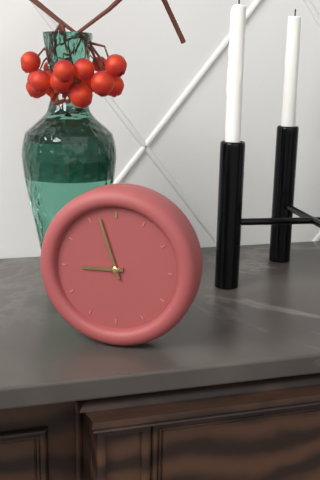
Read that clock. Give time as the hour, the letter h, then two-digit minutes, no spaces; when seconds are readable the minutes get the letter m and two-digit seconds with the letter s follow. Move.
8h57
